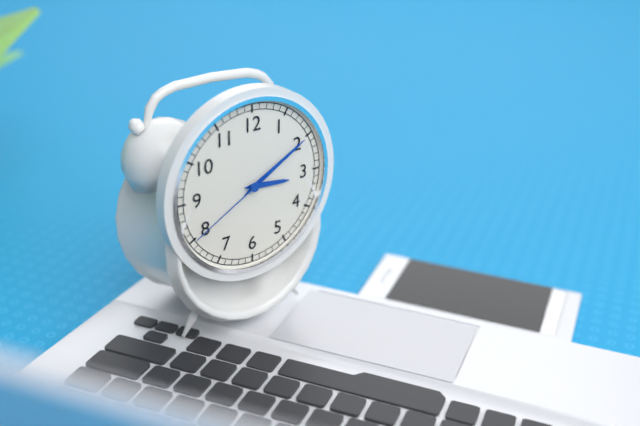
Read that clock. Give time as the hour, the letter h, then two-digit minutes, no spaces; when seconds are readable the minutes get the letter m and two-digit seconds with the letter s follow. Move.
3h10m40s
